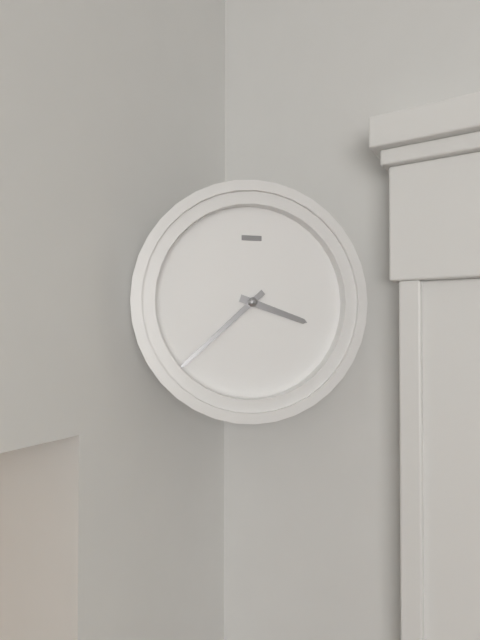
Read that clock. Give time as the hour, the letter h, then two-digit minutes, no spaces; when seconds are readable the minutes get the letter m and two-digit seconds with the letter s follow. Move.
3h38
